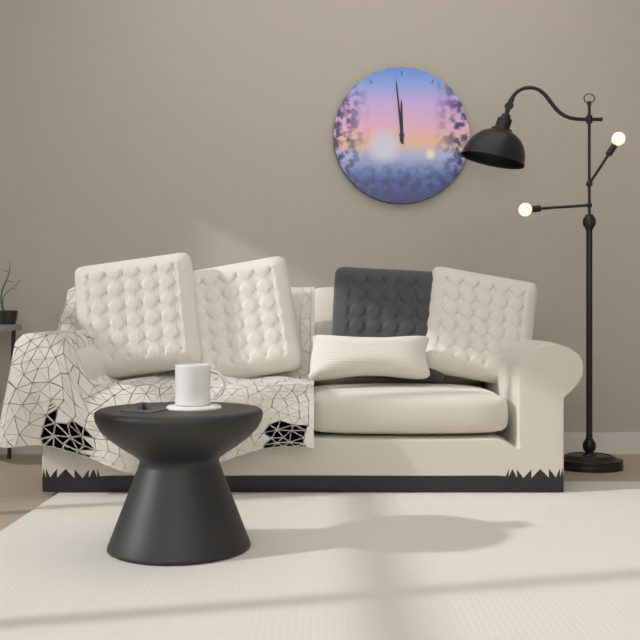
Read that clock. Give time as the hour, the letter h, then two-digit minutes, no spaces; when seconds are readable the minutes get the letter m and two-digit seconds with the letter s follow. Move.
11h59
